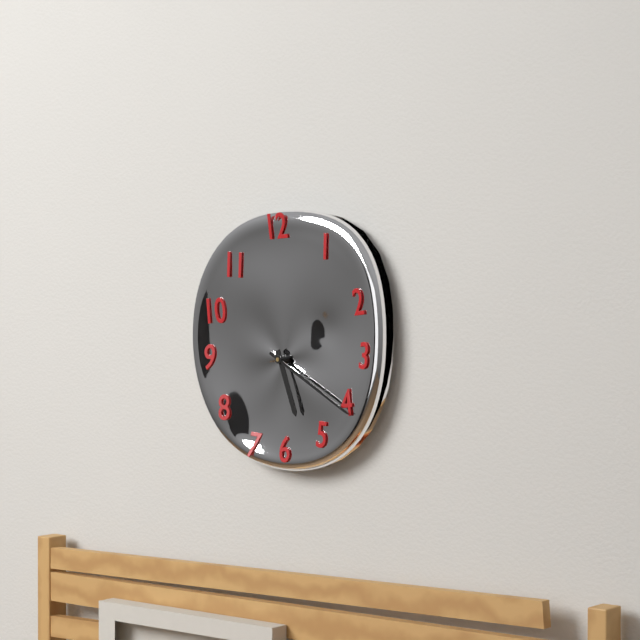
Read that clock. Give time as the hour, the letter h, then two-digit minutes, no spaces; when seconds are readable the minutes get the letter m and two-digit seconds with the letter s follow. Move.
5h20
